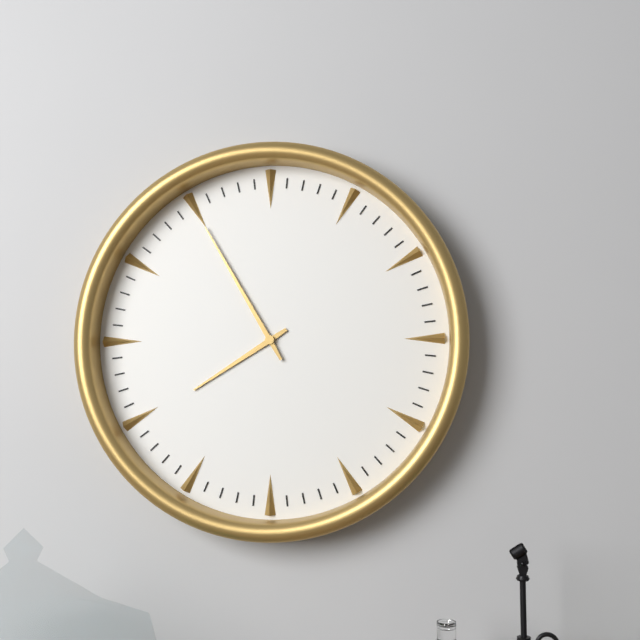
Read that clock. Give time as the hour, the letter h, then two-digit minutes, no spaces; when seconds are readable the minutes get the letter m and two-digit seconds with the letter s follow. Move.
7h55
